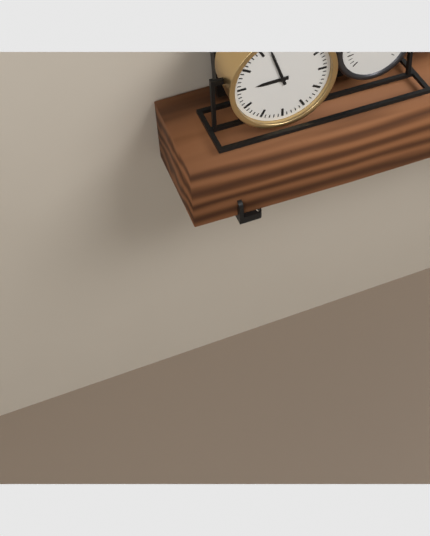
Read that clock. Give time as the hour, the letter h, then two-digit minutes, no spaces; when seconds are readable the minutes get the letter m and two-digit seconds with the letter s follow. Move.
8h57
